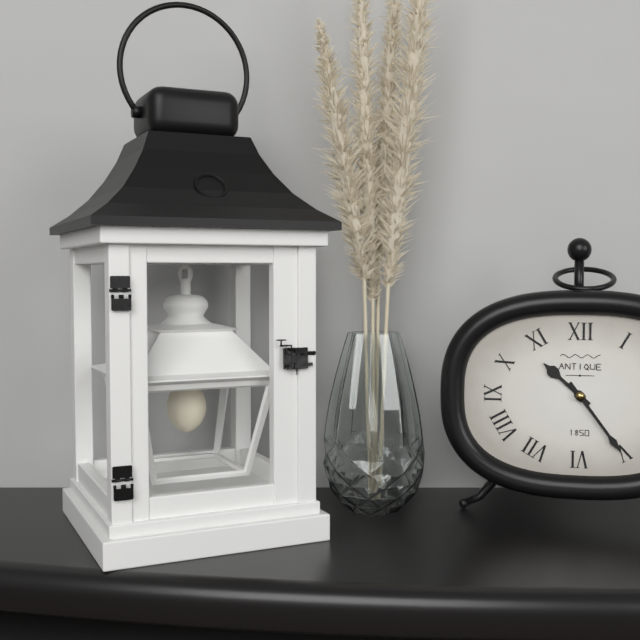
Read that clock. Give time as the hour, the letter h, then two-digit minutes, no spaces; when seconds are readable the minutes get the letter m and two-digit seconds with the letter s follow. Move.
10h24
